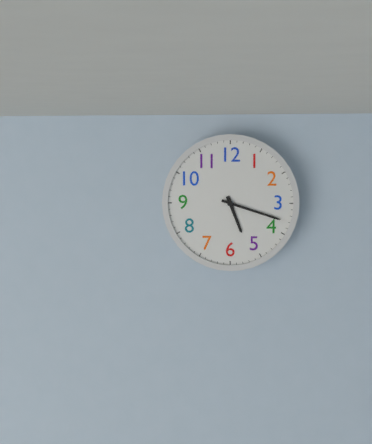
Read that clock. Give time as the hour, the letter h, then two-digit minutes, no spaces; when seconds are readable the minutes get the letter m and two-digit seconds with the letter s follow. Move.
5h18
